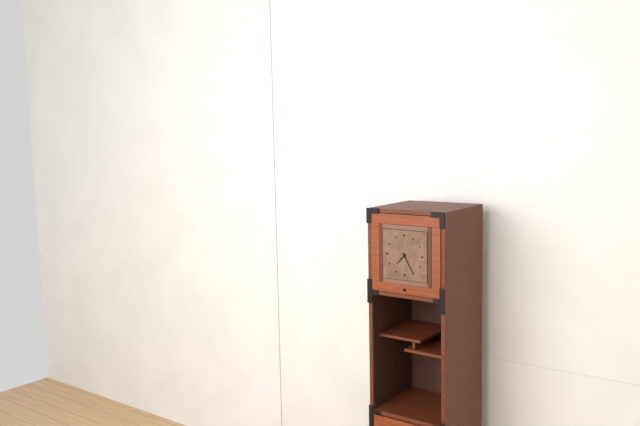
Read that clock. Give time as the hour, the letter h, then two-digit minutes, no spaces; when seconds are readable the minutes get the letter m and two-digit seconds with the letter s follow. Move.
7h25
